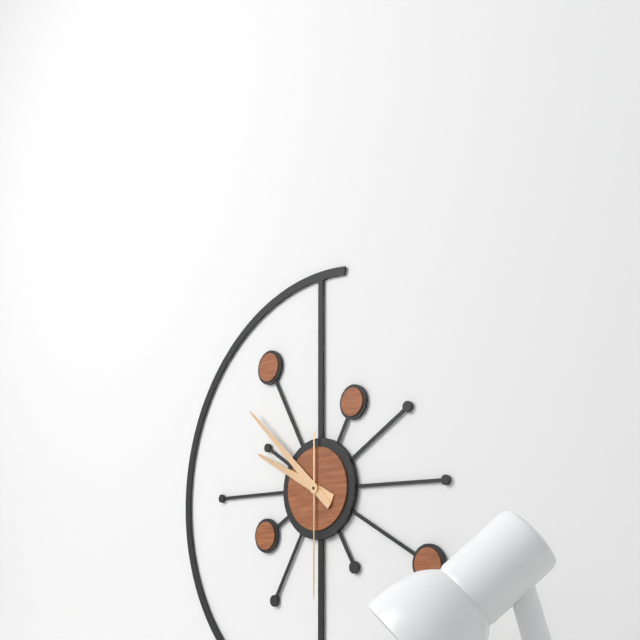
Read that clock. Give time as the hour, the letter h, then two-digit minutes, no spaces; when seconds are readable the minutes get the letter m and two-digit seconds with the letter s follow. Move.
9h52m30s
